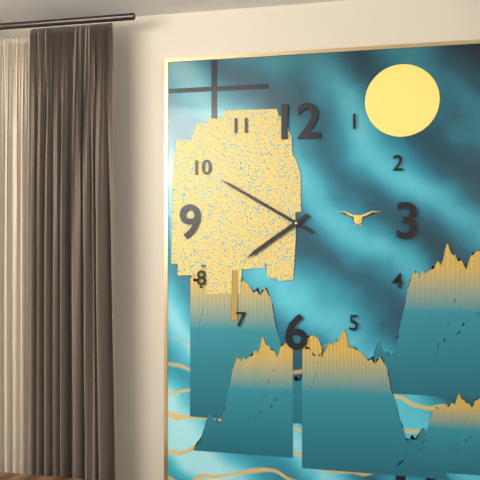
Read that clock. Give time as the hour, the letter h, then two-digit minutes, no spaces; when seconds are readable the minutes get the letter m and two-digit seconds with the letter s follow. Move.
7h50
